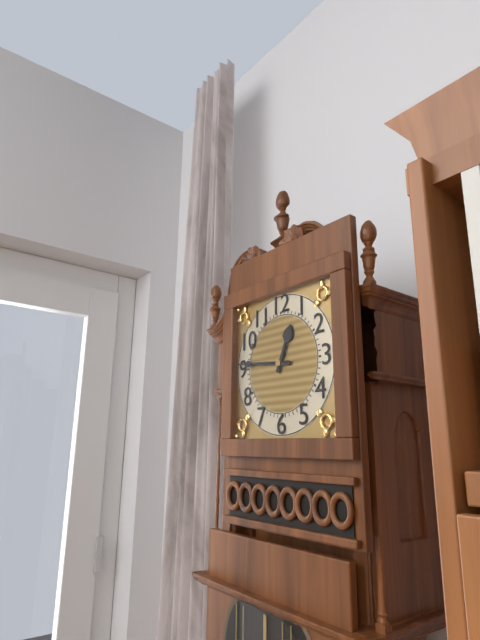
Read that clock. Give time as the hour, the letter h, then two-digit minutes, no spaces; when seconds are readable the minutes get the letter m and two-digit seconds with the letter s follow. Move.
12h46
